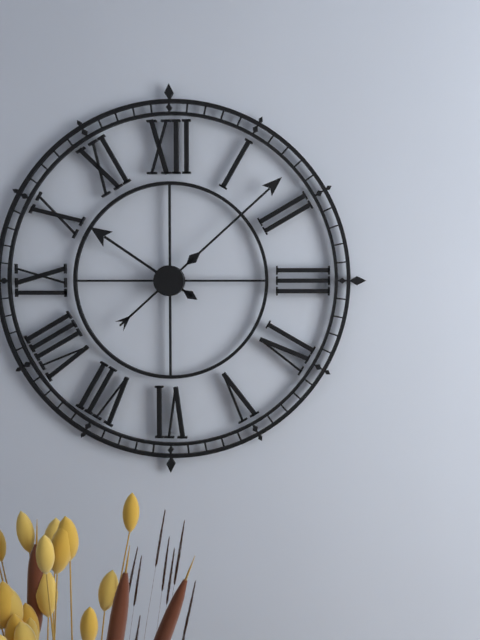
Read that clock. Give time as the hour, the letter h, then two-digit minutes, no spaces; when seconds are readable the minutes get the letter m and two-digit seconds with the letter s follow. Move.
10h08
